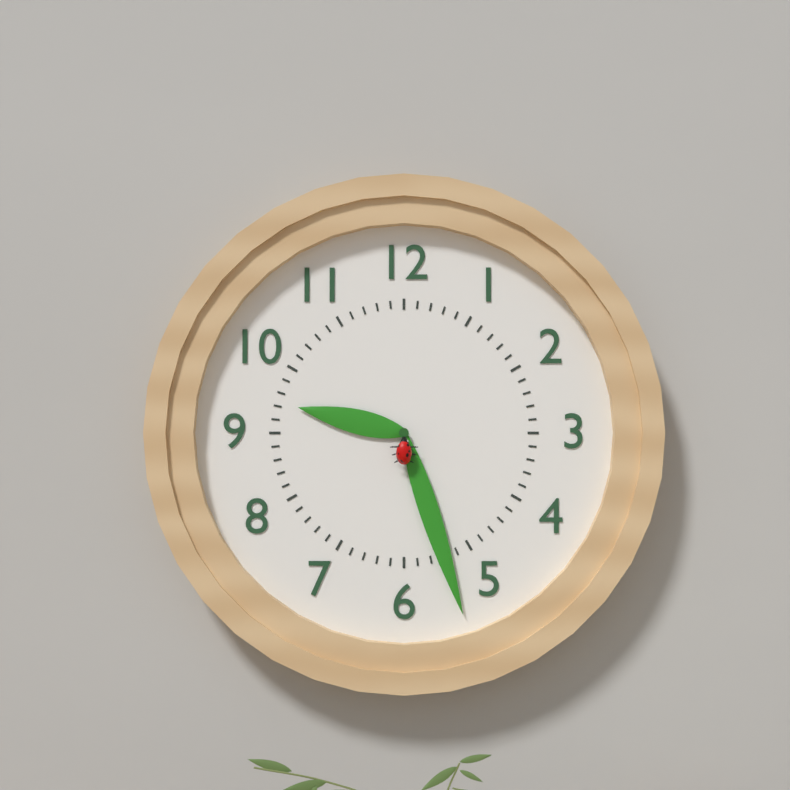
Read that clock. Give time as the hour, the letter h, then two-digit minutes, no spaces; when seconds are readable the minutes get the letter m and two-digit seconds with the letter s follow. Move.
9h27
